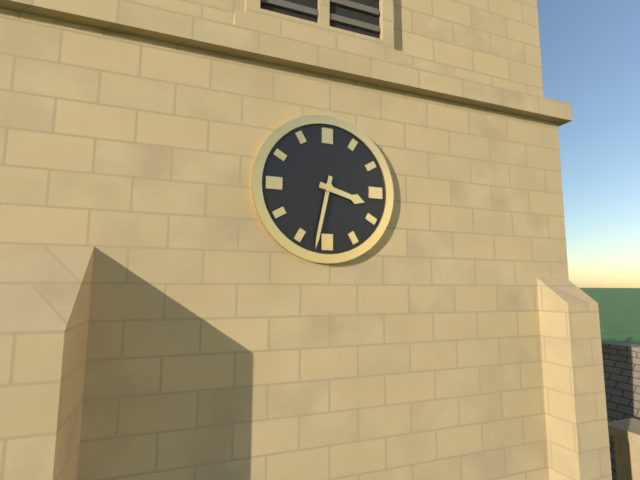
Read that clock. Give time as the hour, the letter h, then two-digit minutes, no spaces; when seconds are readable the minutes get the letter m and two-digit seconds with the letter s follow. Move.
3h32
